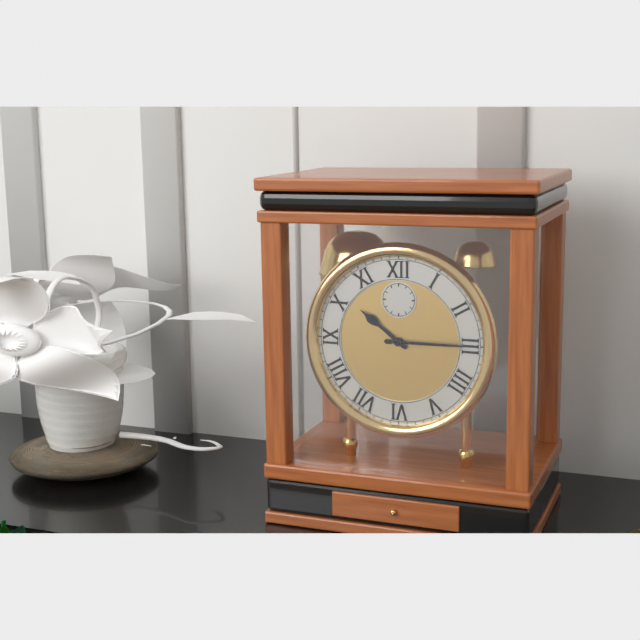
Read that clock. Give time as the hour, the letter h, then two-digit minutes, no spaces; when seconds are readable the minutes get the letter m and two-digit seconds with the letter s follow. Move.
10h15
